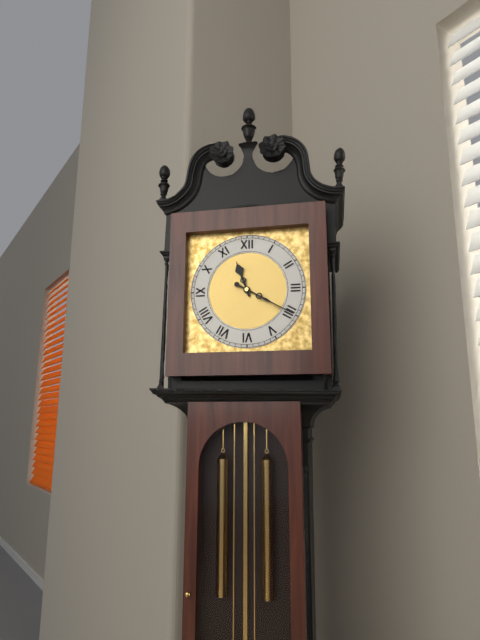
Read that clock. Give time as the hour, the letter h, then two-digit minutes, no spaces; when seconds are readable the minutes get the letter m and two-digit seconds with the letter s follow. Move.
11h20
